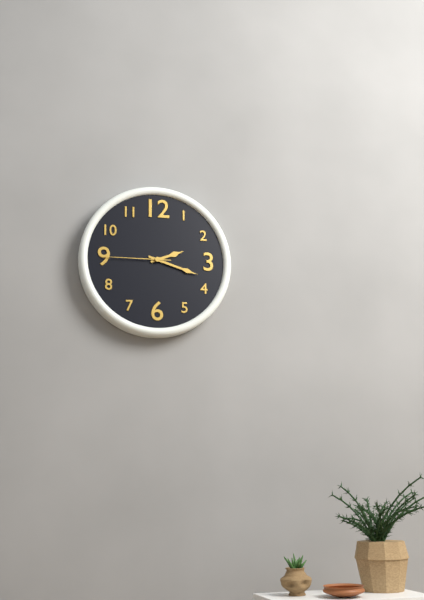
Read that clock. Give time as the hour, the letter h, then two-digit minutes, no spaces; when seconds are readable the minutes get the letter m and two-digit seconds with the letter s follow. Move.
2h18m45s
